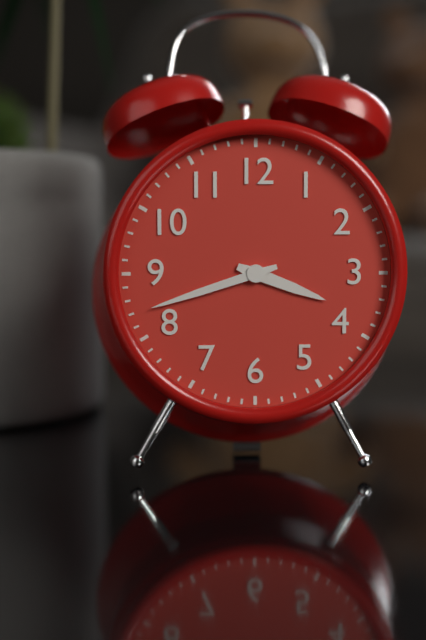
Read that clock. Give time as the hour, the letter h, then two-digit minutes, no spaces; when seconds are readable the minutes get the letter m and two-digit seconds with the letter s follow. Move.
3h42
